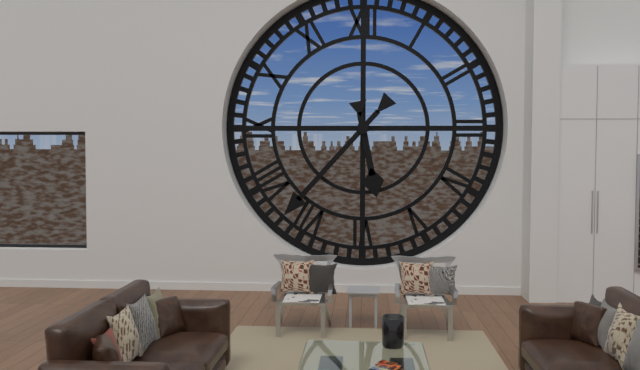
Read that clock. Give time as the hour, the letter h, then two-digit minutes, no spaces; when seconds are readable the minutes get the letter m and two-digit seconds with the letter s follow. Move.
5h37
